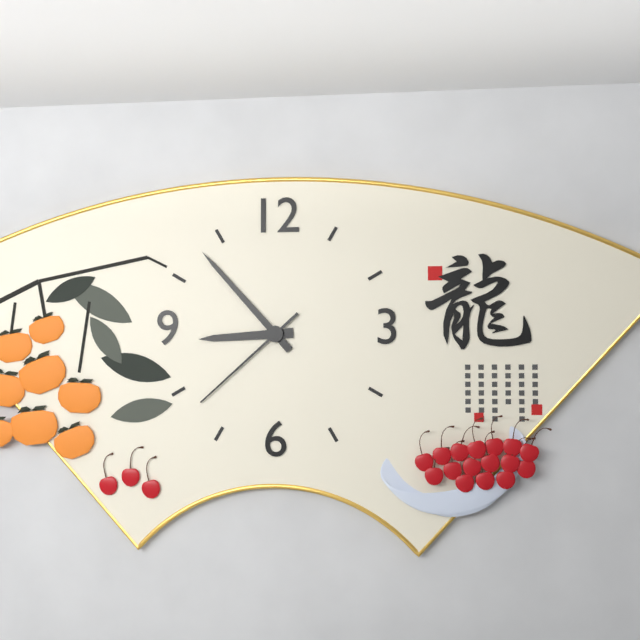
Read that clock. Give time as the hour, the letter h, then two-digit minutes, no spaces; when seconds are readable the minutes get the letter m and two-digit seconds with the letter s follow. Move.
8h53m38s
